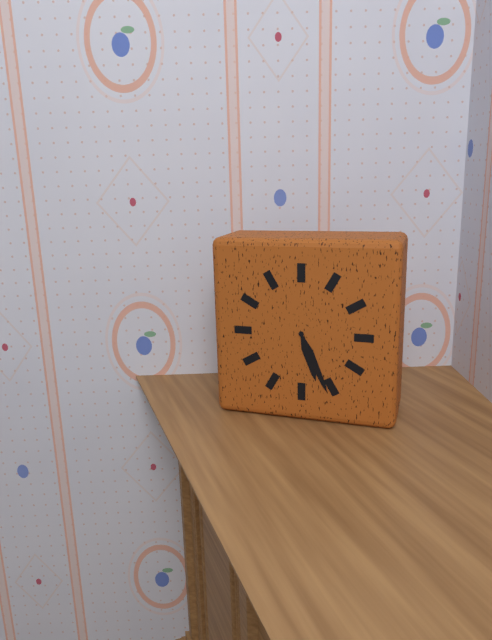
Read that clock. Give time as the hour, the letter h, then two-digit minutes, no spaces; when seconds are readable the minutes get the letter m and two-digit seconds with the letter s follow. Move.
5h26
